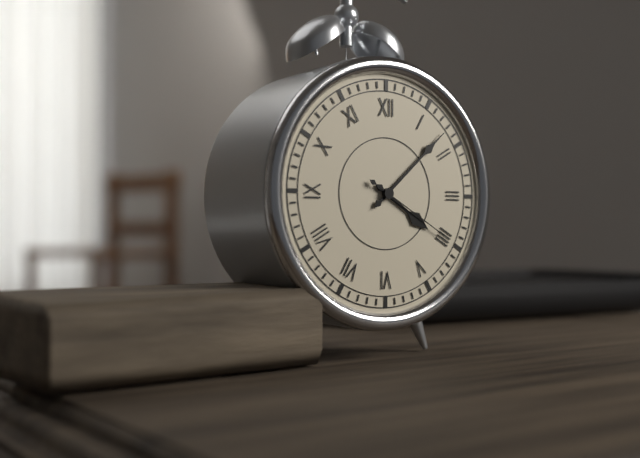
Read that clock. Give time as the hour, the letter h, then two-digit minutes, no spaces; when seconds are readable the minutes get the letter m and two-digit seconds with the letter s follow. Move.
4h08m20s
